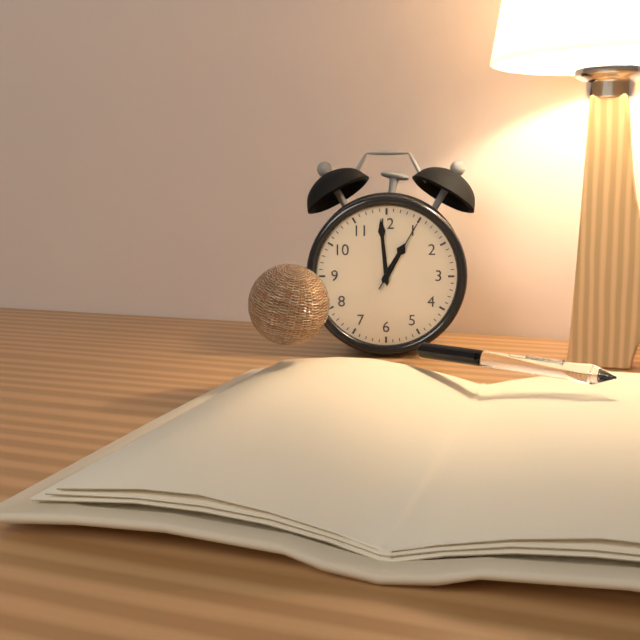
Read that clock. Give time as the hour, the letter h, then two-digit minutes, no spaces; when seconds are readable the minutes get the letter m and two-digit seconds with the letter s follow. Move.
12h59m05s
